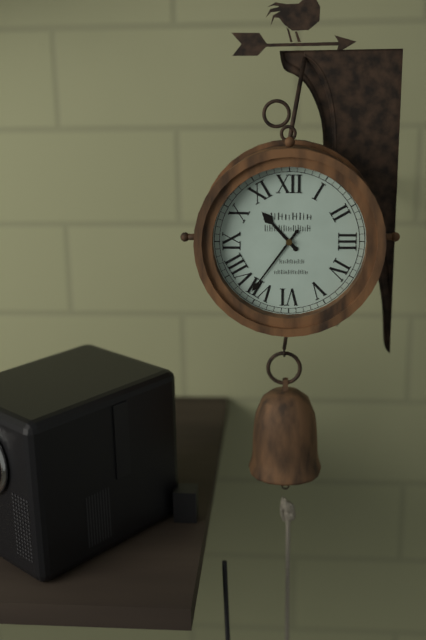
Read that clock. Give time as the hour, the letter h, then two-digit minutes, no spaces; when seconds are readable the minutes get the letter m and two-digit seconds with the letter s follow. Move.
10h36
